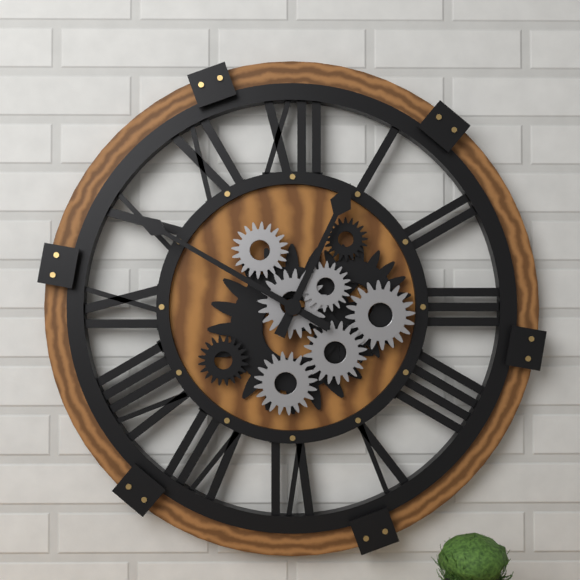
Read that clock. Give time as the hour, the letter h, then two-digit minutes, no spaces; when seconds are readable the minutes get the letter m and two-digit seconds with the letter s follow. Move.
12h50
